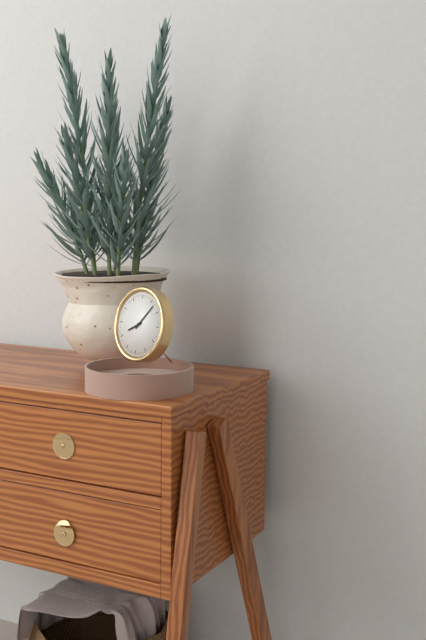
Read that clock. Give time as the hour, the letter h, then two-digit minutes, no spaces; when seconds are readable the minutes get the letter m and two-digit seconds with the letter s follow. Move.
8h07
